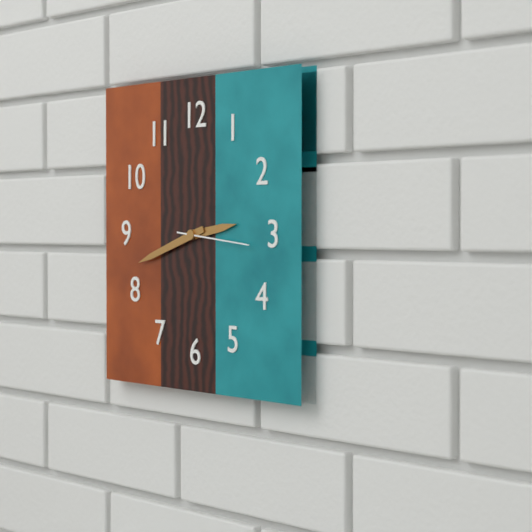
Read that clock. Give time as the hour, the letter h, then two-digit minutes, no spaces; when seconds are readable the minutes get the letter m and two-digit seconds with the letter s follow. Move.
2h42m16s
